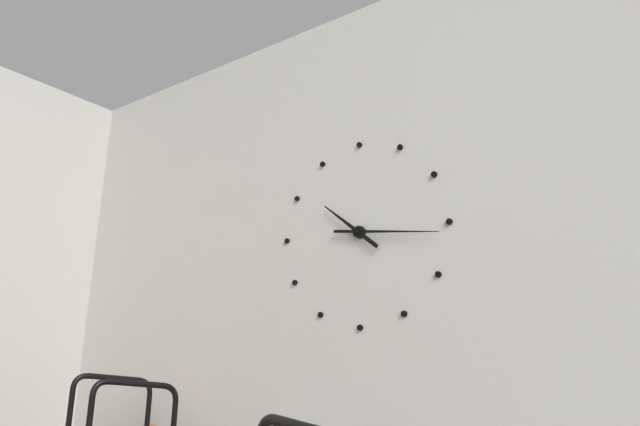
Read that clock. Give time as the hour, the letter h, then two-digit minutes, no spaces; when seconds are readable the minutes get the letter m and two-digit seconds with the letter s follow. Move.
10h16
